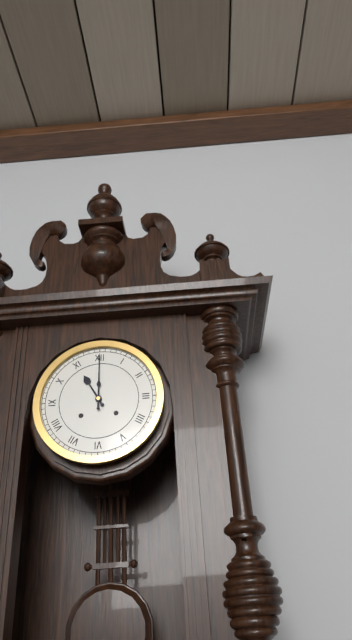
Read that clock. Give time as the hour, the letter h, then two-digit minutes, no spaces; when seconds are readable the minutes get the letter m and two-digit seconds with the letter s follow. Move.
11h00
